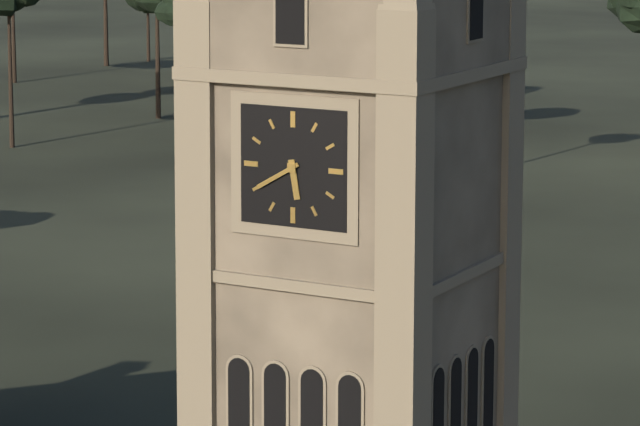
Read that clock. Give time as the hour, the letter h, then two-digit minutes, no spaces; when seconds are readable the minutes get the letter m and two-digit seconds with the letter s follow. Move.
5h40
